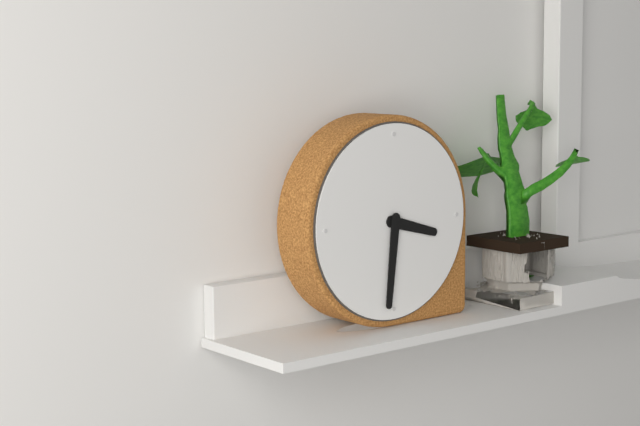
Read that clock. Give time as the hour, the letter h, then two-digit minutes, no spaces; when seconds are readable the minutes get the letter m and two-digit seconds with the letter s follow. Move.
3h31
